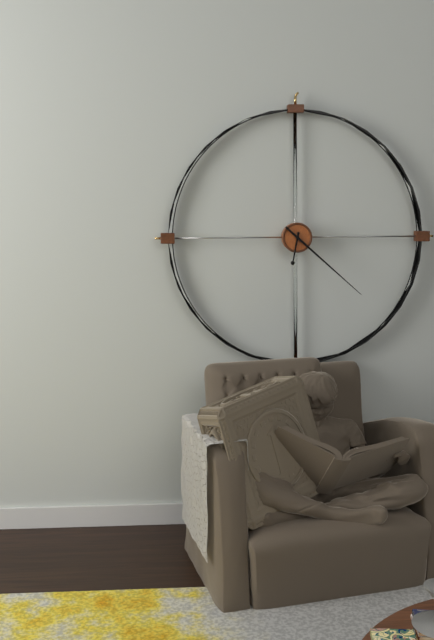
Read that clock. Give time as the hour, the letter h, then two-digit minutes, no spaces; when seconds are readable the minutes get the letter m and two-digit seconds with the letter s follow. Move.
6h22
